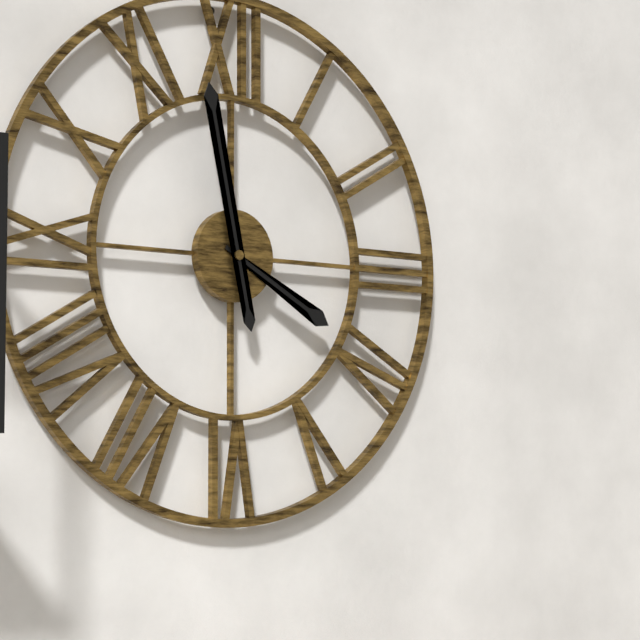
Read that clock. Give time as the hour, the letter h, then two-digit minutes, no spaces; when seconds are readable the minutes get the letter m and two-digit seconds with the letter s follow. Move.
3h58
